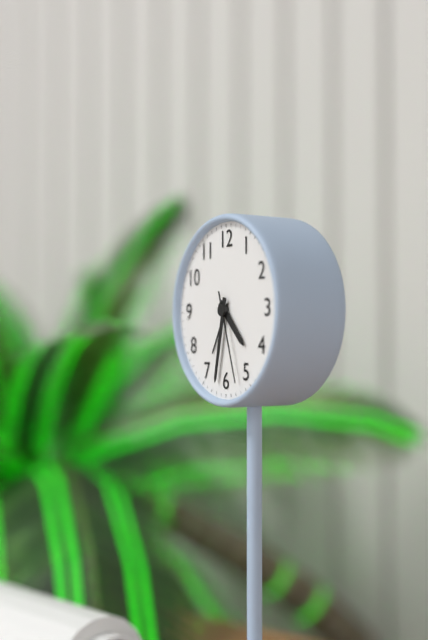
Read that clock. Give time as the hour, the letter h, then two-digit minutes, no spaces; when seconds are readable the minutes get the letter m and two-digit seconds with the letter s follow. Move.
4h32m27s
